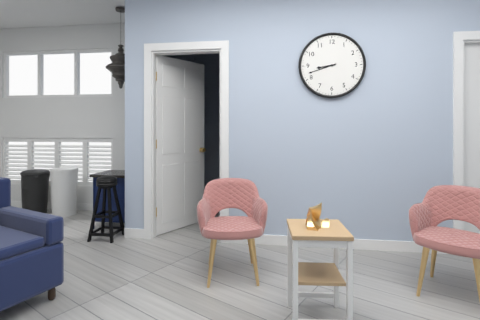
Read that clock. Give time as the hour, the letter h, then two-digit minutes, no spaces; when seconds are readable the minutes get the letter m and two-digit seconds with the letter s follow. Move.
8h42
